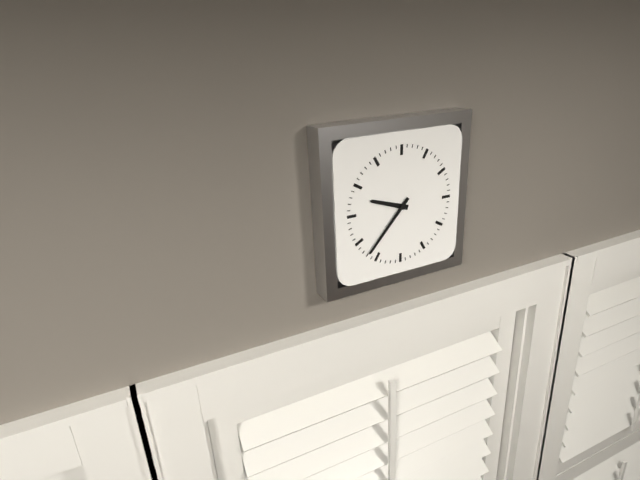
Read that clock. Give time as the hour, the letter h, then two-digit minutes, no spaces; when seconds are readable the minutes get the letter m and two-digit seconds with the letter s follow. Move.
9h37
